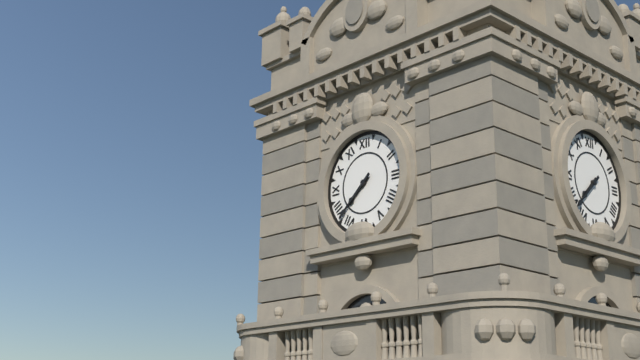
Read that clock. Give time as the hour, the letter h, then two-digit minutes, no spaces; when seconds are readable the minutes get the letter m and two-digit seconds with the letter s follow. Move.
7h38
